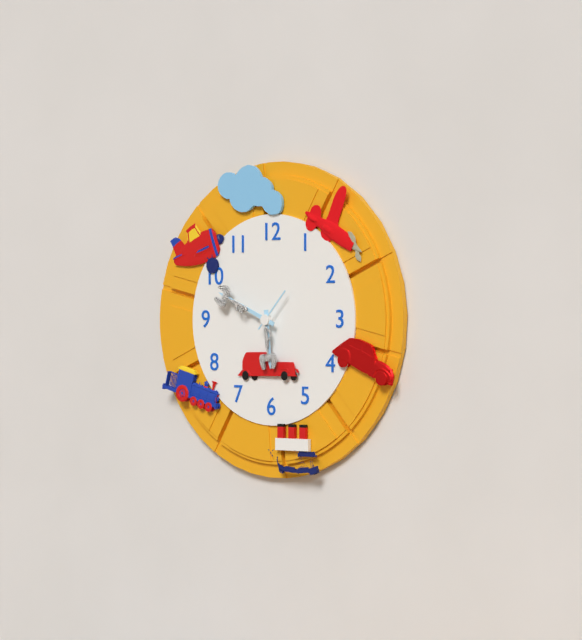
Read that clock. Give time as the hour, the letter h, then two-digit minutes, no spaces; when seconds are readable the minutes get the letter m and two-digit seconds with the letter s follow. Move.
5h49
